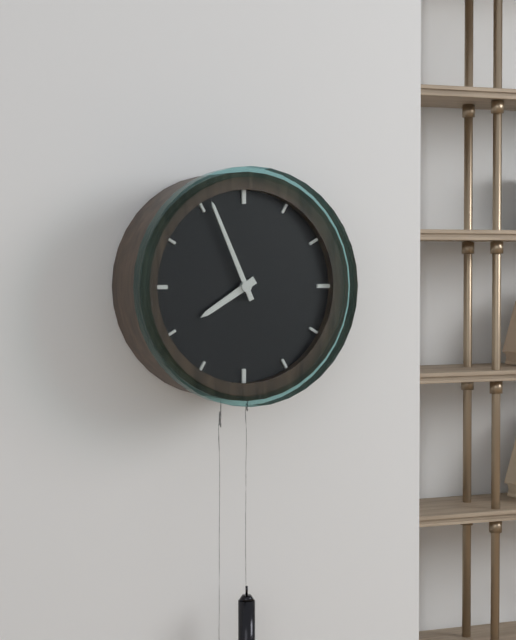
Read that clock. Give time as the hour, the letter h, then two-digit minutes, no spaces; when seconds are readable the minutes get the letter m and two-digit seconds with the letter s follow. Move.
7h56
